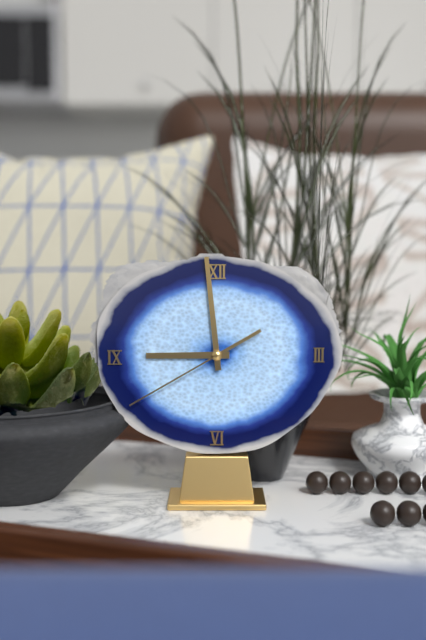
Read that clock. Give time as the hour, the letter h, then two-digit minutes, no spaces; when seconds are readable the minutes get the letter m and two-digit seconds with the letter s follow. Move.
8h59m40s
